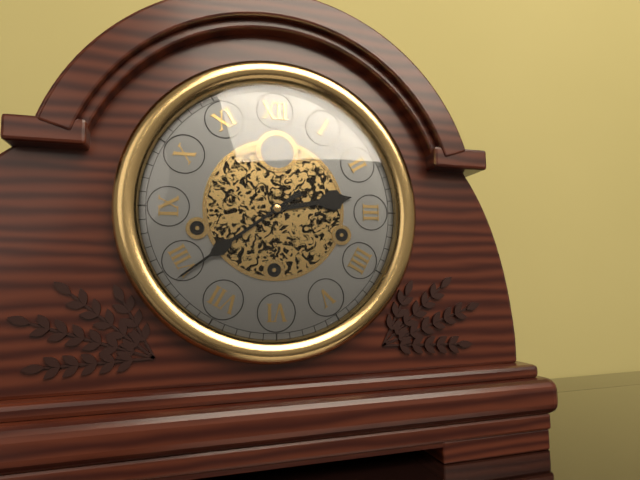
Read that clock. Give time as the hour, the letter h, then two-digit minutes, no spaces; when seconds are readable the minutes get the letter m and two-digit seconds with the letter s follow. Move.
2h39
